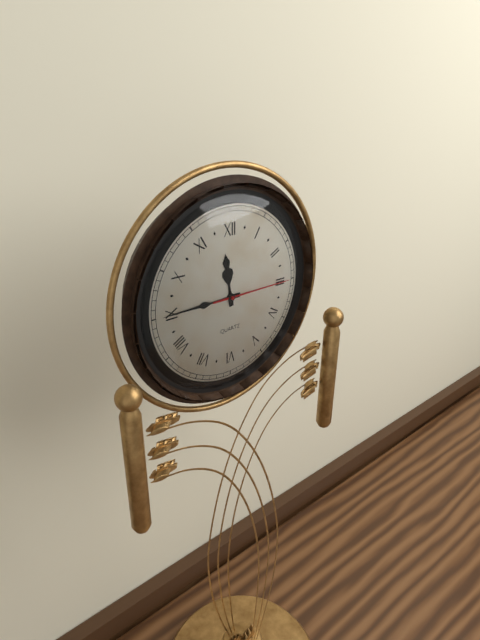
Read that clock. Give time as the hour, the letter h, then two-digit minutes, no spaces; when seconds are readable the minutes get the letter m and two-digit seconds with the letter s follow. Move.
11h45m15s
